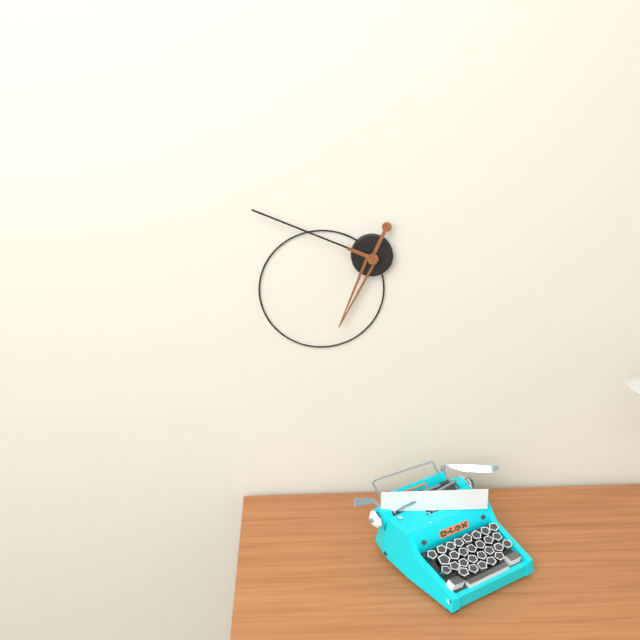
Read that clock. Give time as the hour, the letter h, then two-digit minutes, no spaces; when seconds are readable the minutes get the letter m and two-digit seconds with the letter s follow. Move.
6h49
